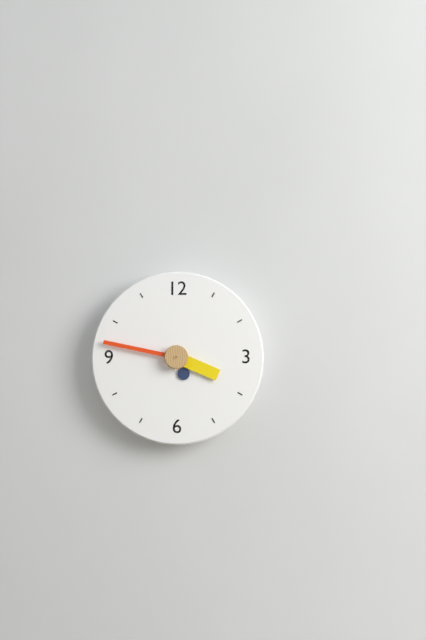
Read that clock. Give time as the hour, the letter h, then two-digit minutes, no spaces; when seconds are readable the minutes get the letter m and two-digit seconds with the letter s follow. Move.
3h47
